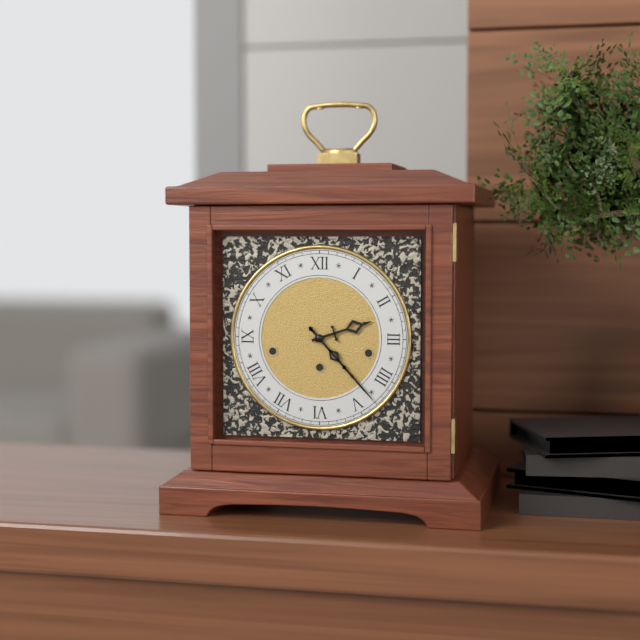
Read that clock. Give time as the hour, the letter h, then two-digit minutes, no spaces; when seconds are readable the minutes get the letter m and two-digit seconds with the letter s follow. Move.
2h23
